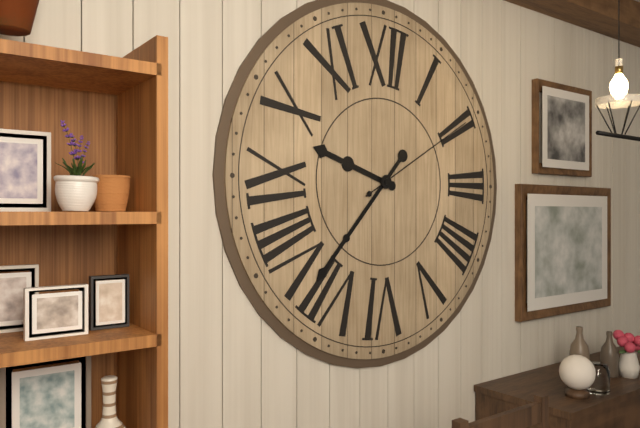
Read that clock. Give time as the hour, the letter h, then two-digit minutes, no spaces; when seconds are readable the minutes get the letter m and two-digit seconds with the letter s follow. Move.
9h37m10s
